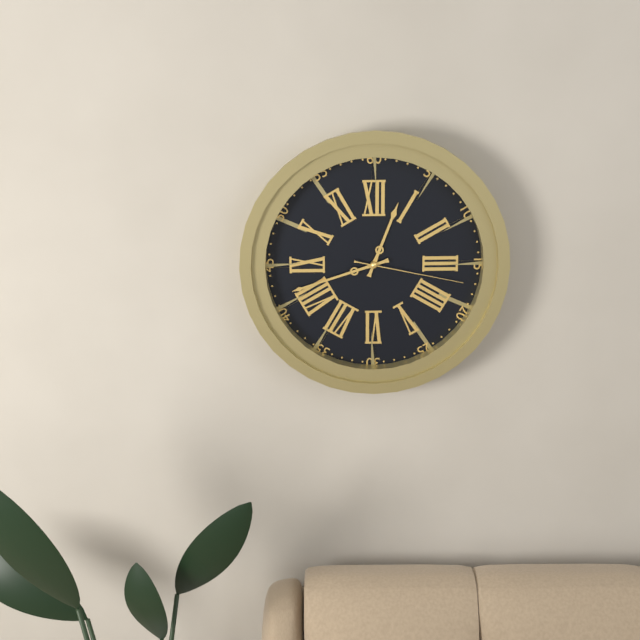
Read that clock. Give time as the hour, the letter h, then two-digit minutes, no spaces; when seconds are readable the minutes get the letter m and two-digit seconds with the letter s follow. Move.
12h42m17s
